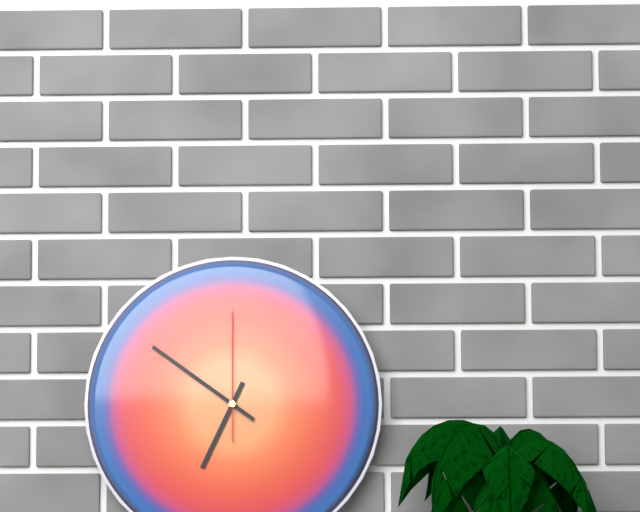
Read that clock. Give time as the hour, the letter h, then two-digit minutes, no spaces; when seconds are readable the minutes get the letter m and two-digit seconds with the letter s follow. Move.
6h51m00s
